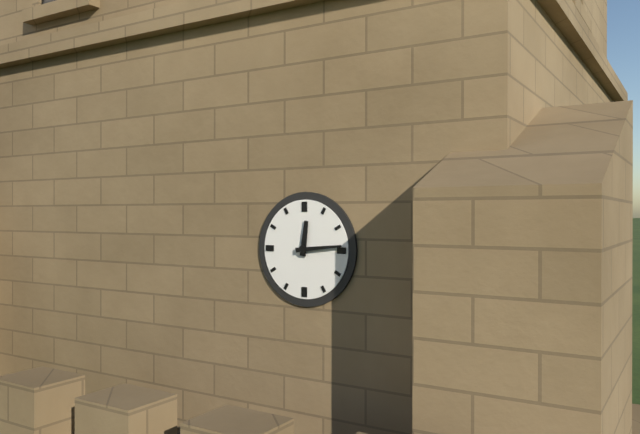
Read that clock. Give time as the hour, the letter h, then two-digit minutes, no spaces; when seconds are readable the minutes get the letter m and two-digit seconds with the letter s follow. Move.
12h14
